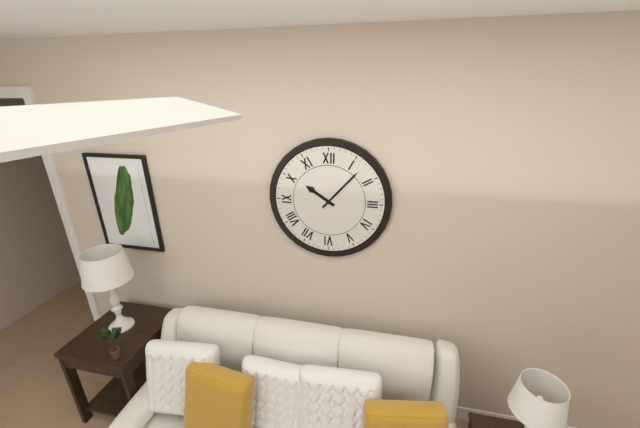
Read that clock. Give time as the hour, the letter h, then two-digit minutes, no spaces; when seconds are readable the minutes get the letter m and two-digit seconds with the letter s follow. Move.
10h07
